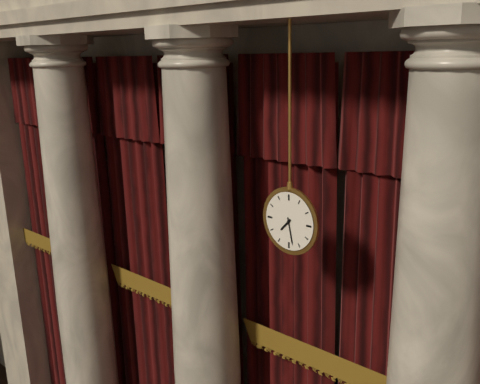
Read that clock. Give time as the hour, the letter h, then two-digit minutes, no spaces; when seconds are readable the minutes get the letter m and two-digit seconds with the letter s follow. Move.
7h28
